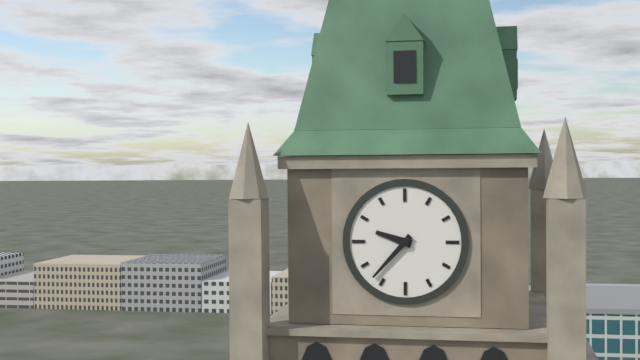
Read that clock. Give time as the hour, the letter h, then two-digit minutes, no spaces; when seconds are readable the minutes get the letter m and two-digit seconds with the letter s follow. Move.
9h37
